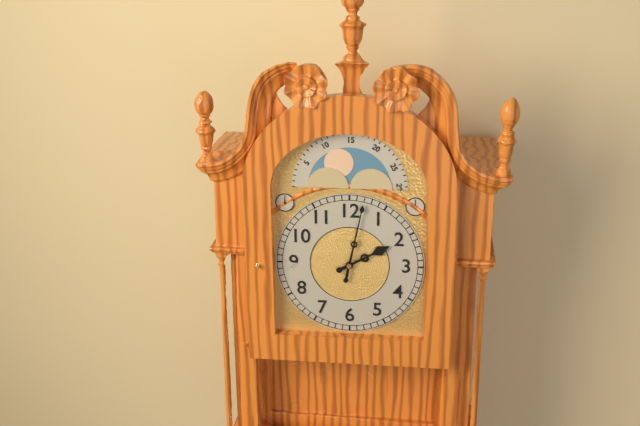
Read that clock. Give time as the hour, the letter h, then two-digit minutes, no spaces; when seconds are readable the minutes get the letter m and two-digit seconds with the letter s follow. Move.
2h02
